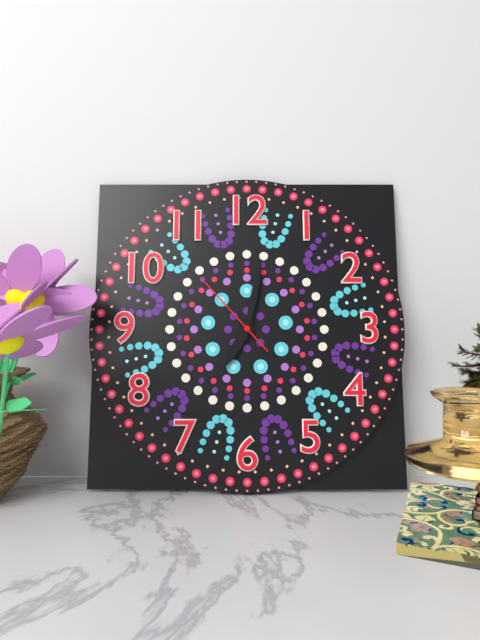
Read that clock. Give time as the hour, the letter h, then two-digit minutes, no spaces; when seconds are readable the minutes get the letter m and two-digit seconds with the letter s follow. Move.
7h02m53s
